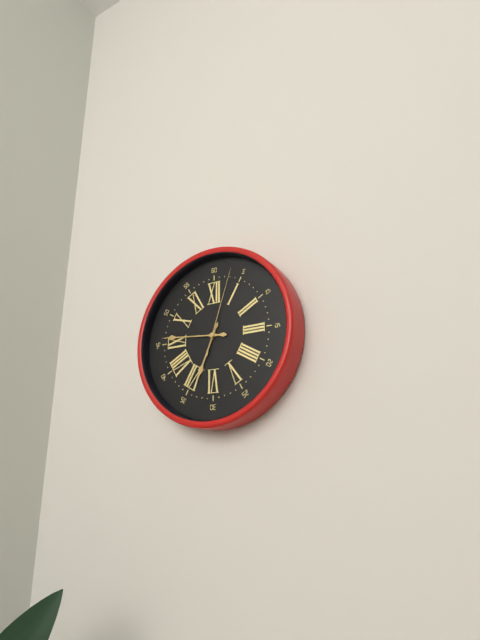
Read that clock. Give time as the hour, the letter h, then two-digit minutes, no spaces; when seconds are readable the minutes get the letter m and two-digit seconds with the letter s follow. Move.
6h46m03s
